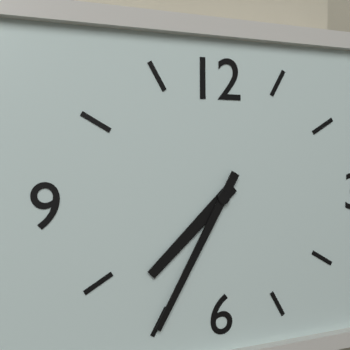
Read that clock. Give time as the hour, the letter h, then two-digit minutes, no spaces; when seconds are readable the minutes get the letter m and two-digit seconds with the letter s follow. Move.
7h35
